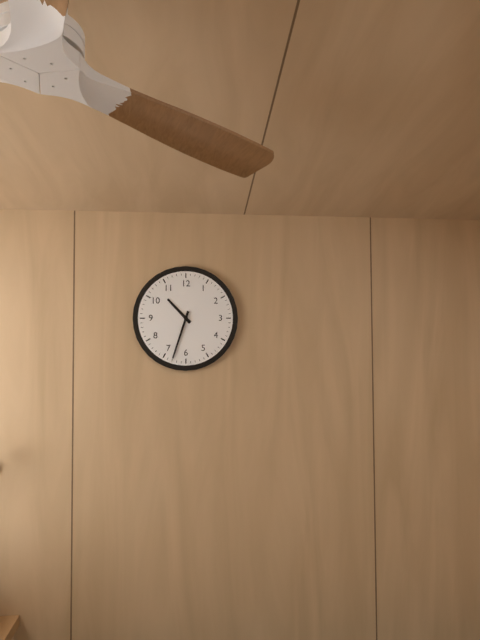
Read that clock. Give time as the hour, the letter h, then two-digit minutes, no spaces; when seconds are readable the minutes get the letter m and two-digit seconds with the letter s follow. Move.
10h33
